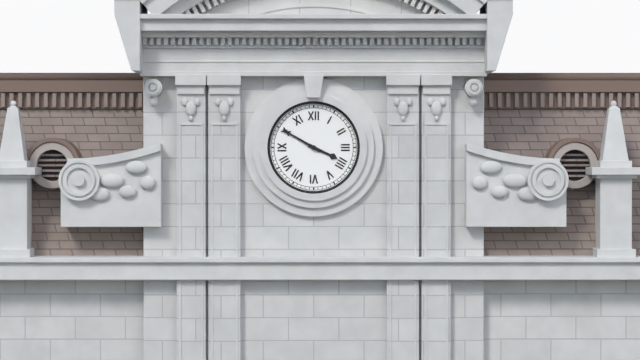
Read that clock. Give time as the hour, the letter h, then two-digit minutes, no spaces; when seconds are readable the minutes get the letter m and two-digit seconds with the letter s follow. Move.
3h50
